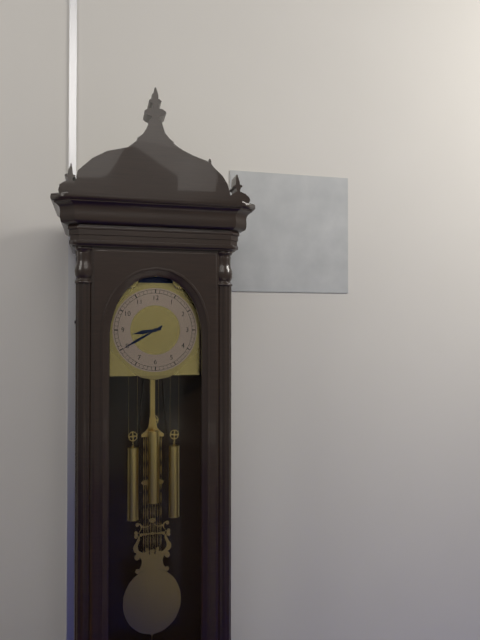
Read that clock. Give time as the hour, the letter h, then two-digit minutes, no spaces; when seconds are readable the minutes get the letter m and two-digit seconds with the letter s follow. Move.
8h40
